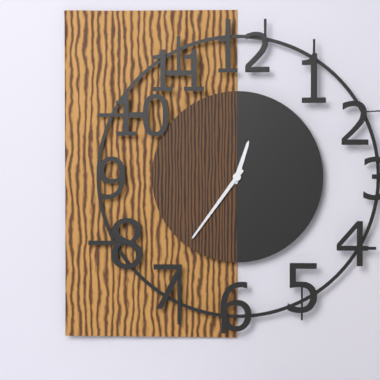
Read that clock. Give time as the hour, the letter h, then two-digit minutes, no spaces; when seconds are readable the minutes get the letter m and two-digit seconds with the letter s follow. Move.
12h36
